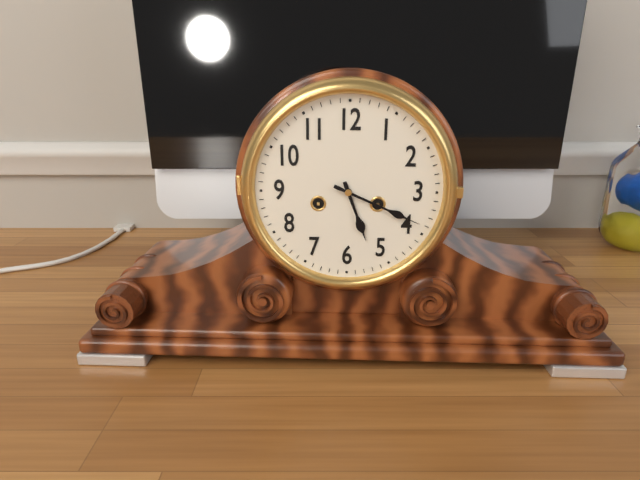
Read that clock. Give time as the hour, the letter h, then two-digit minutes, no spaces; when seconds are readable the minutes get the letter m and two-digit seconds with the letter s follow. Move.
5h19
